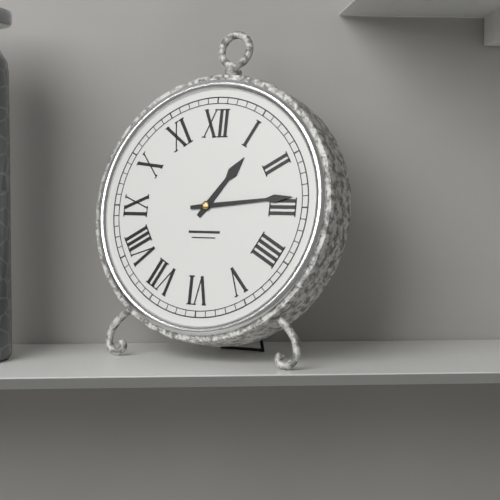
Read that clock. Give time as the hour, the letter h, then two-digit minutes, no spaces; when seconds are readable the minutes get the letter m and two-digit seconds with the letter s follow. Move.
1h14
